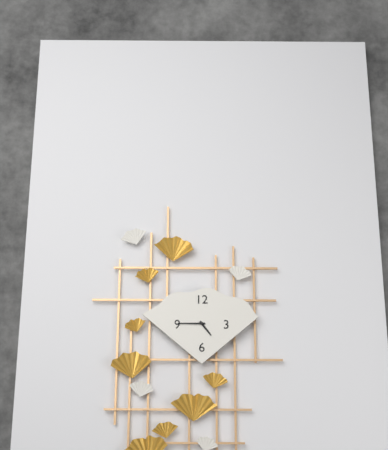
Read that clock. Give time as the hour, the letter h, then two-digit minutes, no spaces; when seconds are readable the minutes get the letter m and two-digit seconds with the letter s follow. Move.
4h45
